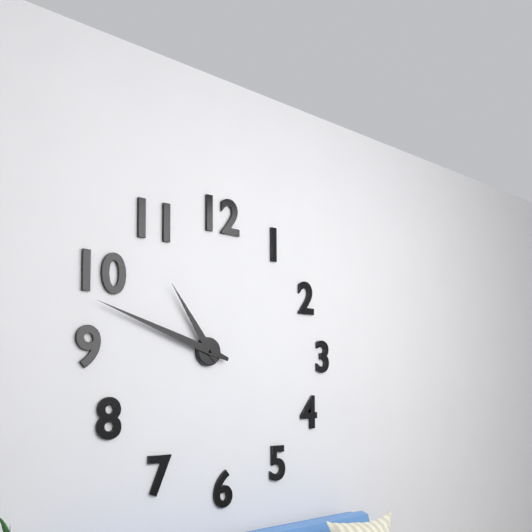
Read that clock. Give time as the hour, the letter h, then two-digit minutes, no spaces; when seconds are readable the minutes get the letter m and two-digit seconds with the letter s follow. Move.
10h48
